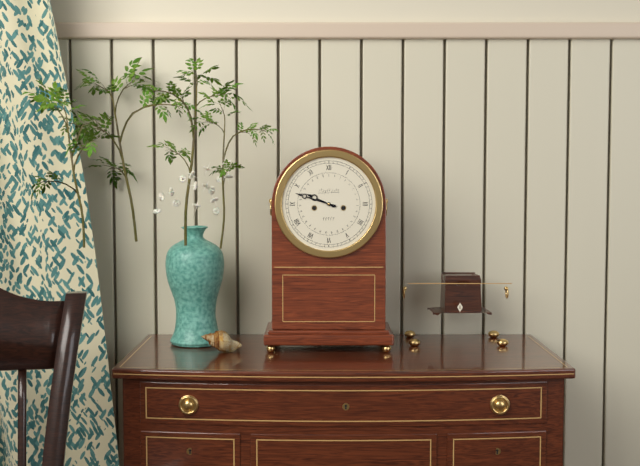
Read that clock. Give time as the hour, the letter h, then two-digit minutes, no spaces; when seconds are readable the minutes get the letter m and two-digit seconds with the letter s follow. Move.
9h48
